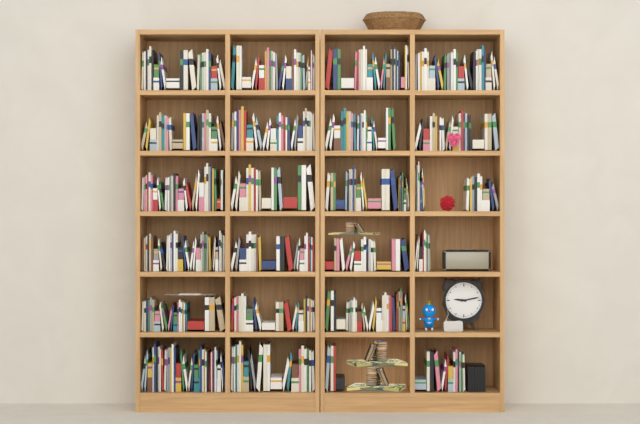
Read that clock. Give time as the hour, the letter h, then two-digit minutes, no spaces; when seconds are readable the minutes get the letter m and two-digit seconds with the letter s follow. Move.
9h13
